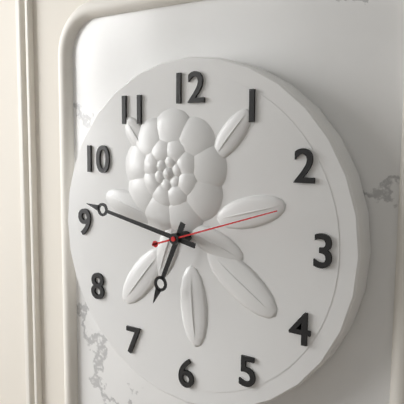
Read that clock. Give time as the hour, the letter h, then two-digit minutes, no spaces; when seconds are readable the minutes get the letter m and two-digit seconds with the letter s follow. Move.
6h47m12s
